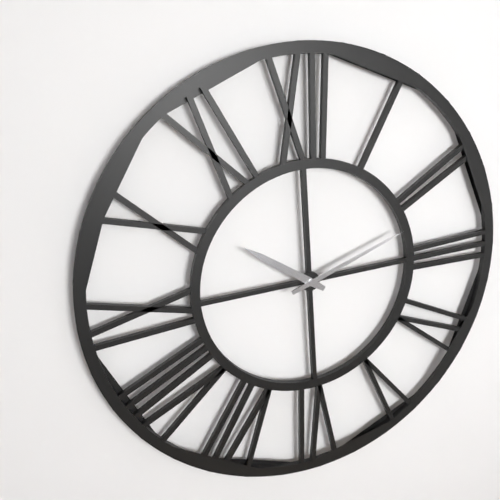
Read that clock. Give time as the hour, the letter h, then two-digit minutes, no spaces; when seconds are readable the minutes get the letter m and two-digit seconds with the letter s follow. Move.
10h12
